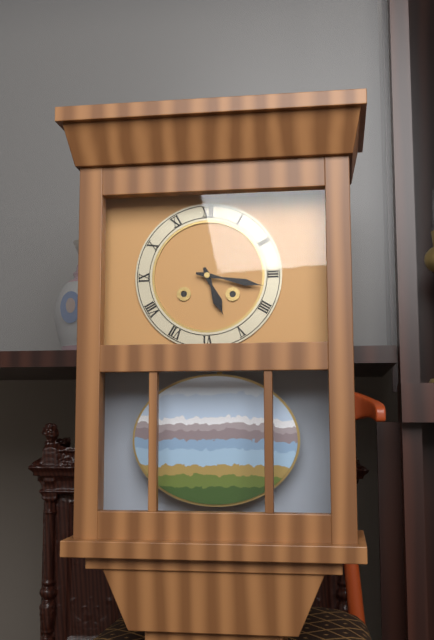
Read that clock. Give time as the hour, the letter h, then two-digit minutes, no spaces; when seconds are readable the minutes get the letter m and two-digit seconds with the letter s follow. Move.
5h17
